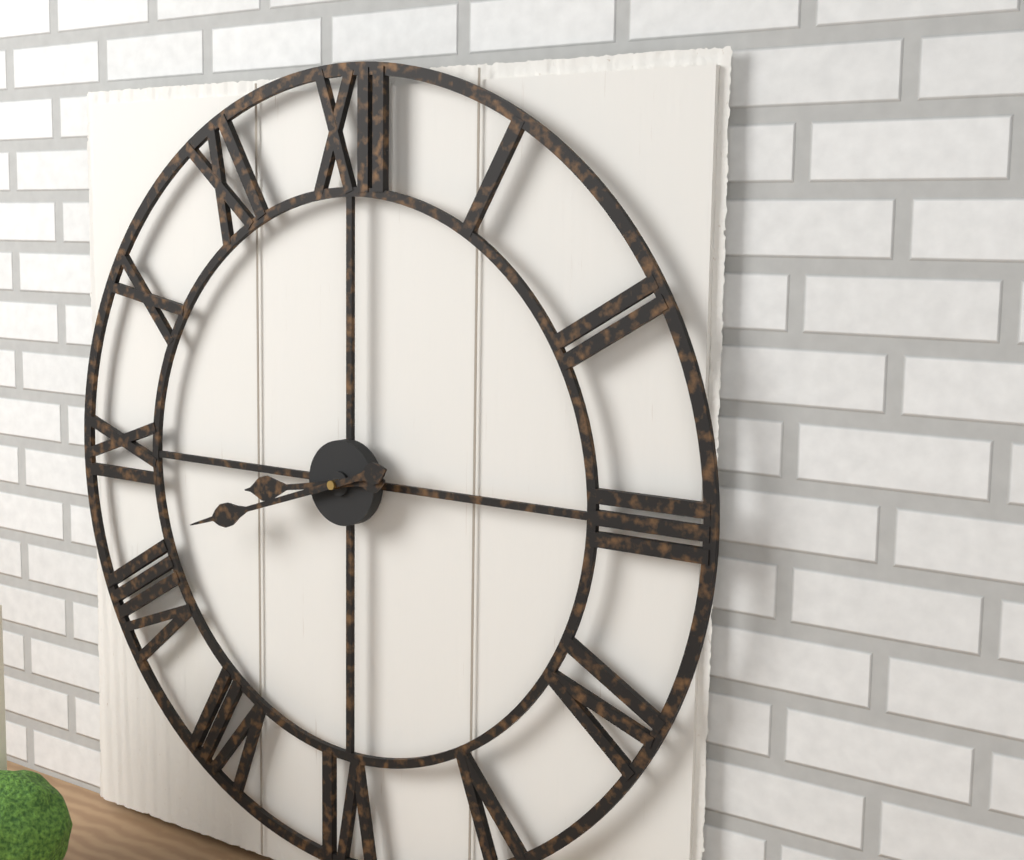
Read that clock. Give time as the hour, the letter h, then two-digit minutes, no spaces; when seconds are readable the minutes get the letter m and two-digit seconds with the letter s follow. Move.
8h42
